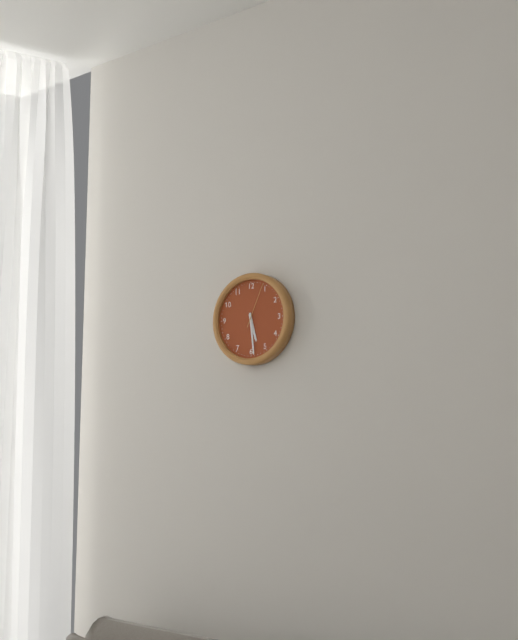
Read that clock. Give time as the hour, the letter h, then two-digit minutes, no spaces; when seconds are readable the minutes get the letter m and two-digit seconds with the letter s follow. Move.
5h29
